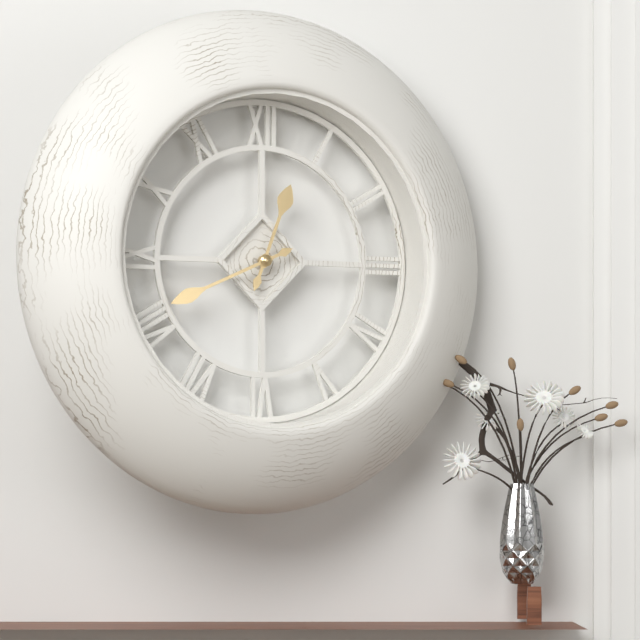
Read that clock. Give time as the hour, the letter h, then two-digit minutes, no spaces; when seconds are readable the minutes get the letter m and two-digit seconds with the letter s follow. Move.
12h41
